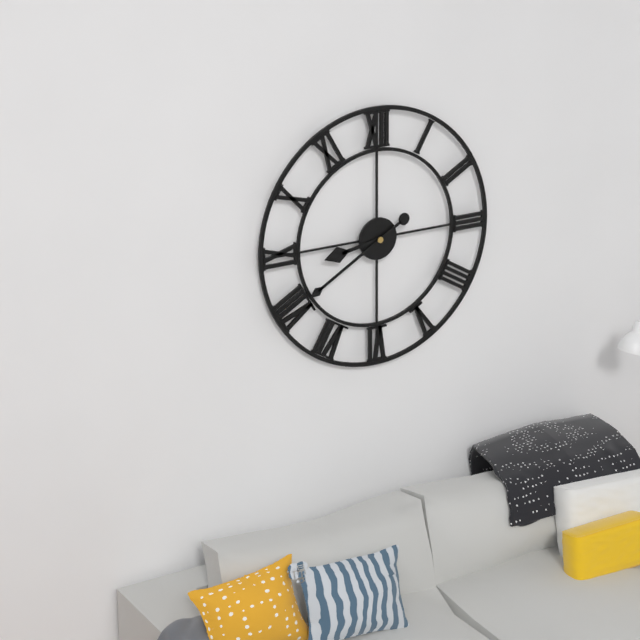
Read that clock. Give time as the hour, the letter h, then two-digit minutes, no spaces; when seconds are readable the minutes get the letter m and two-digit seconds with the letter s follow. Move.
8h40
